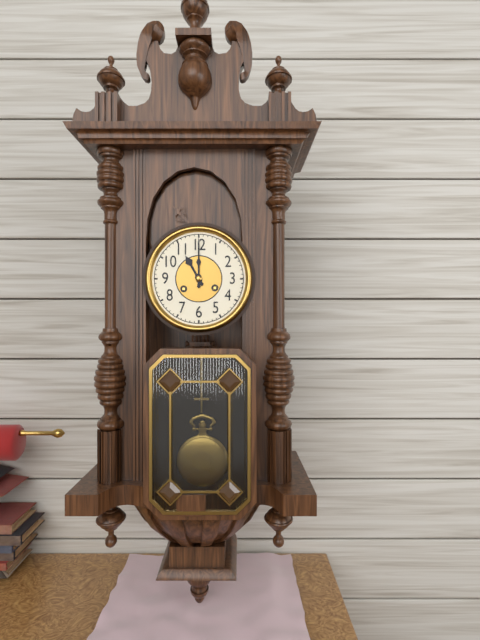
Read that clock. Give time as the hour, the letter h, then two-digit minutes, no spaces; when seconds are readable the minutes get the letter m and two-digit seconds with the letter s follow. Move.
11h00
